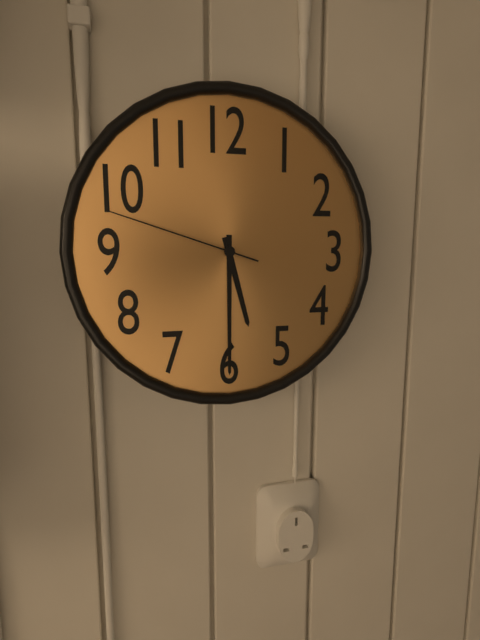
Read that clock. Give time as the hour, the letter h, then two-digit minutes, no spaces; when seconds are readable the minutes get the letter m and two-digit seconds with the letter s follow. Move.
5h30m48s
